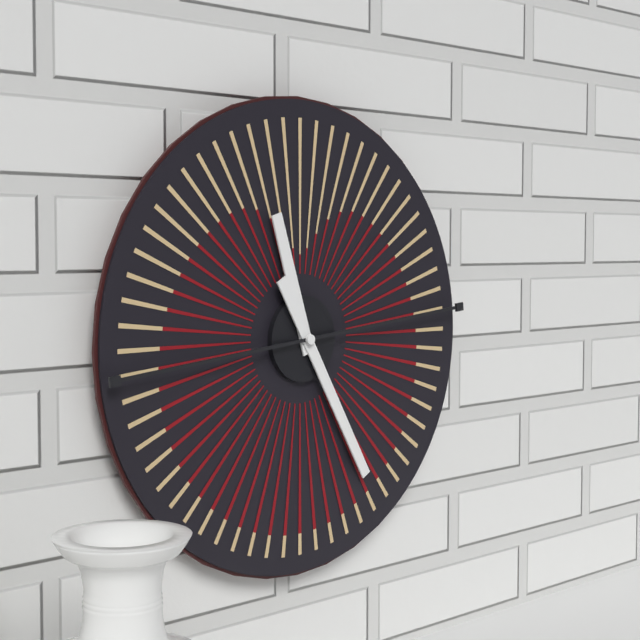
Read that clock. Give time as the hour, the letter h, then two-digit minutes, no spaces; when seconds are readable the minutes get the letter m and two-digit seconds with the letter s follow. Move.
11h25
